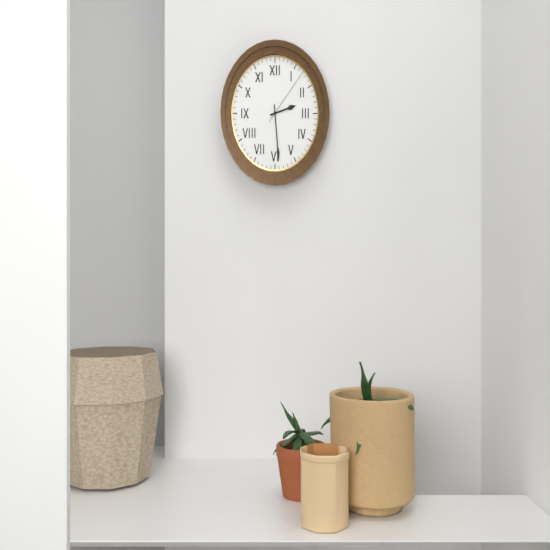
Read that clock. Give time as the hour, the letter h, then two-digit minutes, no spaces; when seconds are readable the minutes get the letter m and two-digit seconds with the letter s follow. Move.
2h29m07s
